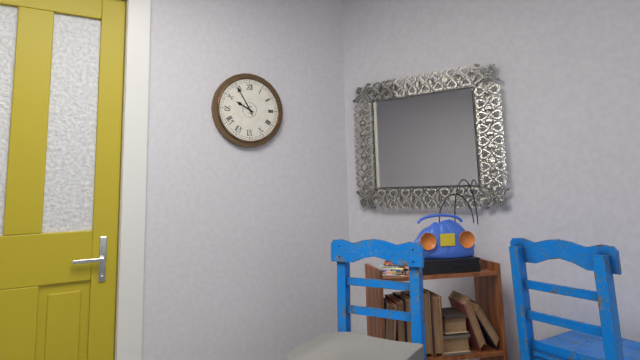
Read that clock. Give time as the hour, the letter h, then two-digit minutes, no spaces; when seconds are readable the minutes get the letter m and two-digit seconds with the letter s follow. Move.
9h55
